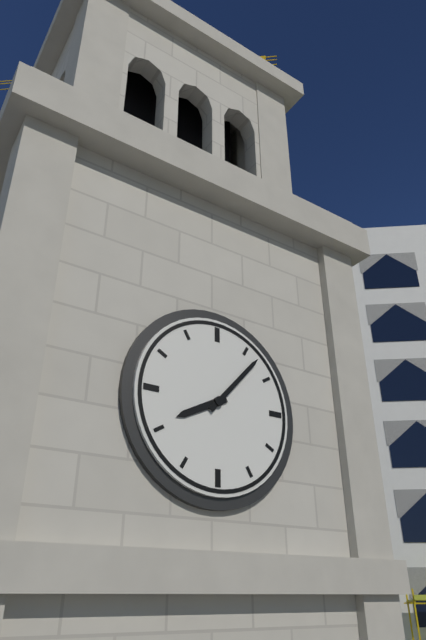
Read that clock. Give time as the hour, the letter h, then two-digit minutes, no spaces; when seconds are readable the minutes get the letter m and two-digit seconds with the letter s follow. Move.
8h07
